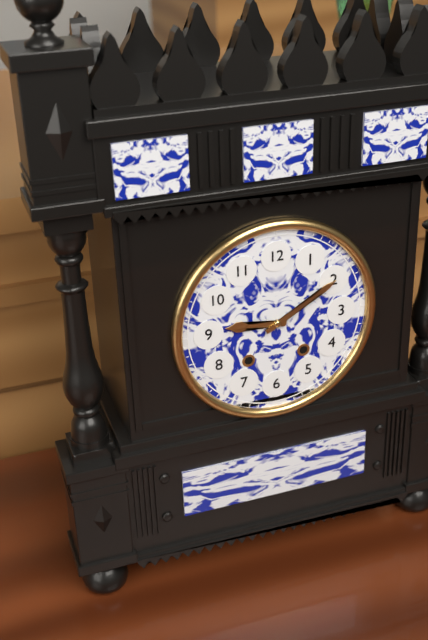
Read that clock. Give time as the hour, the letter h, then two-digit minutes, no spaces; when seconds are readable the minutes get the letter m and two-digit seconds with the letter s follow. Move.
9h10
